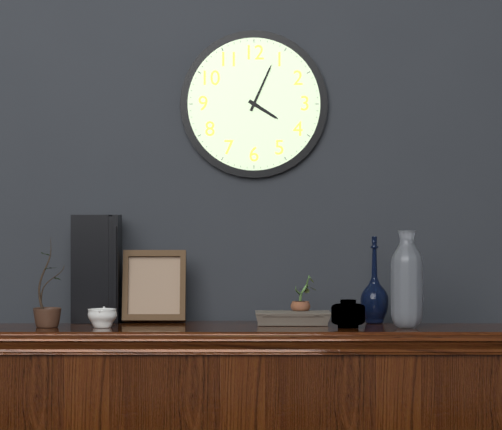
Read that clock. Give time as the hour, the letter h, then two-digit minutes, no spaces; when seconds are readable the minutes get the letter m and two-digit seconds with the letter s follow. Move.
4h04
